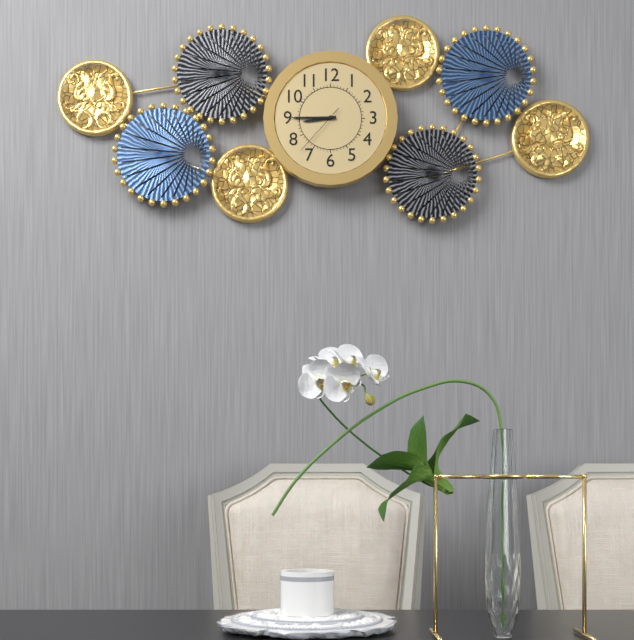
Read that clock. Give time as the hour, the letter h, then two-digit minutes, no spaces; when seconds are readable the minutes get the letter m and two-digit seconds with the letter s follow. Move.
8h45m37s
